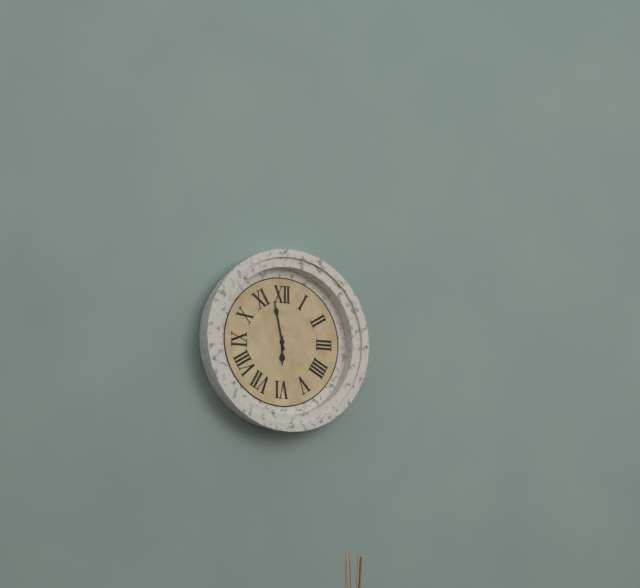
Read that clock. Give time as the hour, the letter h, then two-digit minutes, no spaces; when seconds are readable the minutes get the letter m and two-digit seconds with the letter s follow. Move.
5h58
